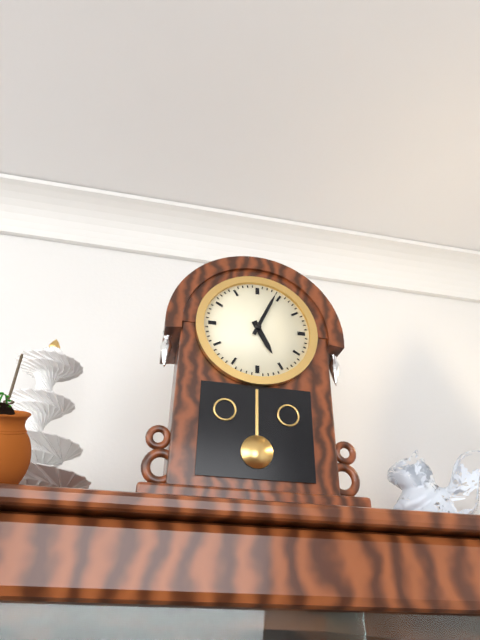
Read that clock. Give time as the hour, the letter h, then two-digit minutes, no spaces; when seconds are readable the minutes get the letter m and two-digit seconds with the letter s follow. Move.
5h04
